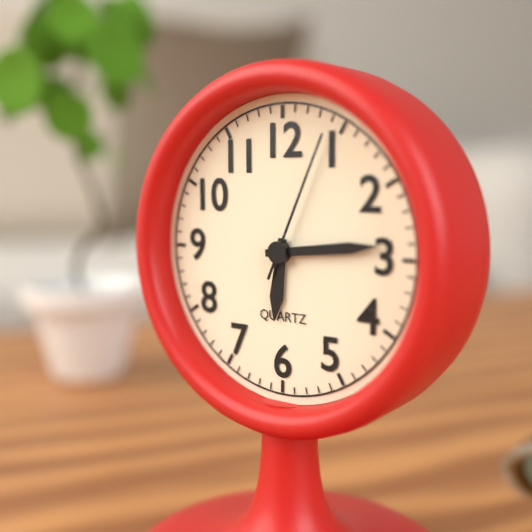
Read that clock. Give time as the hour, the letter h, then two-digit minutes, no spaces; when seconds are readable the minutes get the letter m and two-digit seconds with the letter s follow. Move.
6h14m04s
